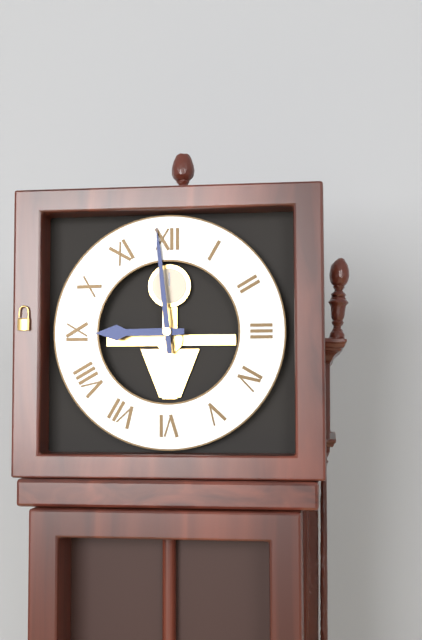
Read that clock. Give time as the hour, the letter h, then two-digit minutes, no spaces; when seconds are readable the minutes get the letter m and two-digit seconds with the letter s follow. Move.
8h59
